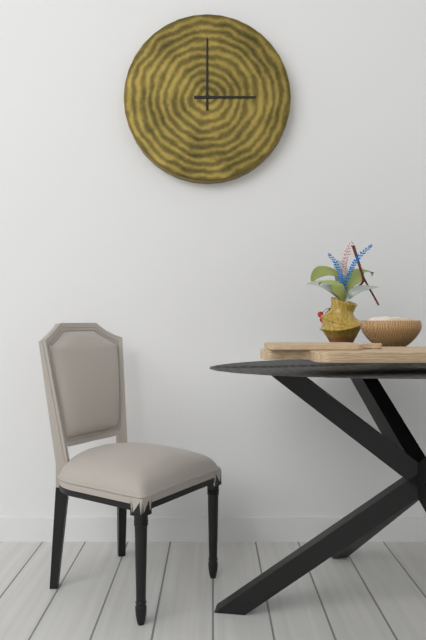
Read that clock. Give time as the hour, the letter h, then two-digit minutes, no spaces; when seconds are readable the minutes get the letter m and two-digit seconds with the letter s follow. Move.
3h00
